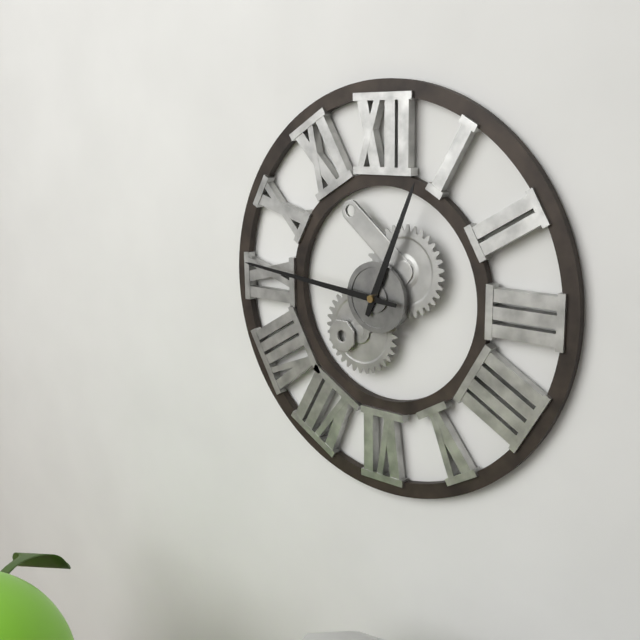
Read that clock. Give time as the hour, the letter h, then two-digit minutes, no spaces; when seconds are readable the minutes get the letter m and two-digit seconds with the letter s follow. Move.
12h46
